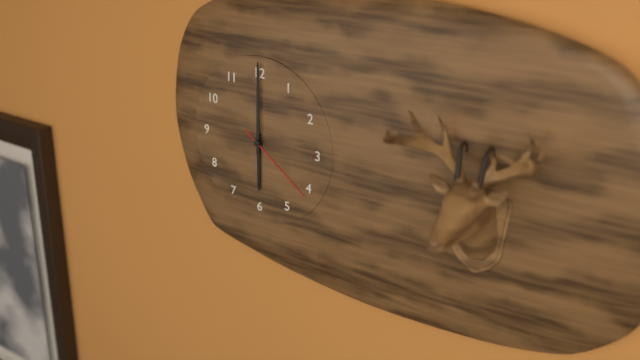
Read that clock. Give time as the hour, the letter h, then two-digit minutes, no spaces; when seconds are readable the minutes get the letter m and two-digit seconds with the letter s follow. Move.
6h00m21s
